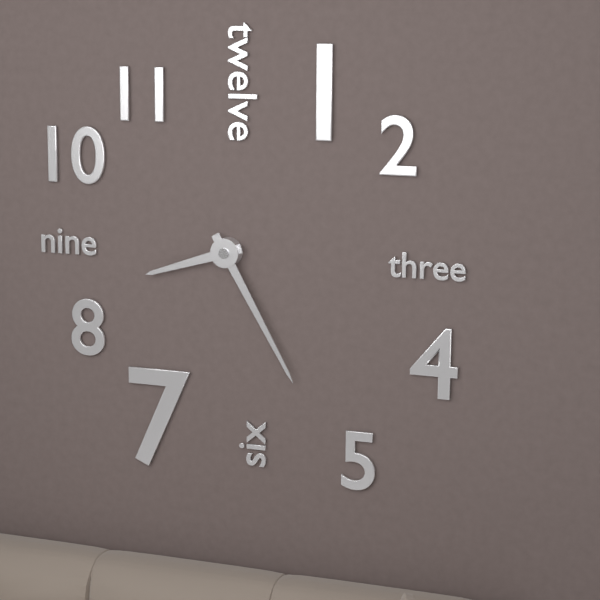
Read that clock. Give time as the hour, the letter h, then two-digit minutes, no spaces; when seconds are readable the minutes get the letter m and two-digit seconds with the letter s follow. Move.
8h25
